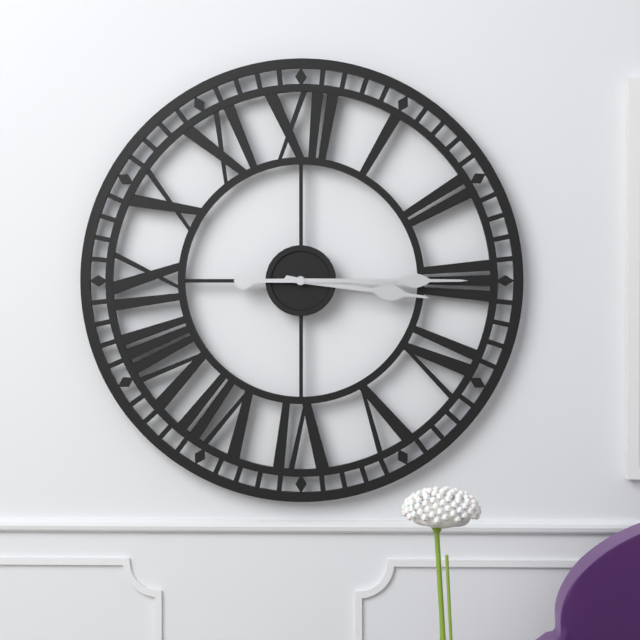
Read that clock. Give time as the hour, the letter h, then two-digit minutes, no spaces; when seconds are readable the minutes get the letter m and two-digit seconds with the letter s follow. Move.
3h15
